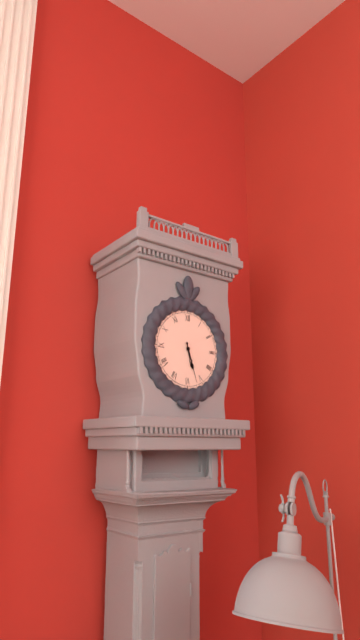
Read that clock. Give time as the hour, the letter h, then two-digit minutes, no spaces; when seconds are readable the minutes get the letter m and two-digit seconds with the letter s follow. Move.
5h27
